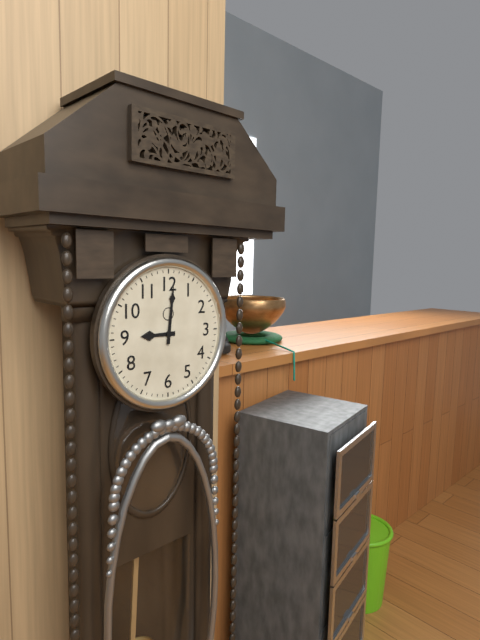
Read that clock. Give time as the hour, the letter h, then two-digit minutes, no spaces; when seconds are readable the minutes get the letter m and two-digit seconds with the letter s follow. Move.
9h01
